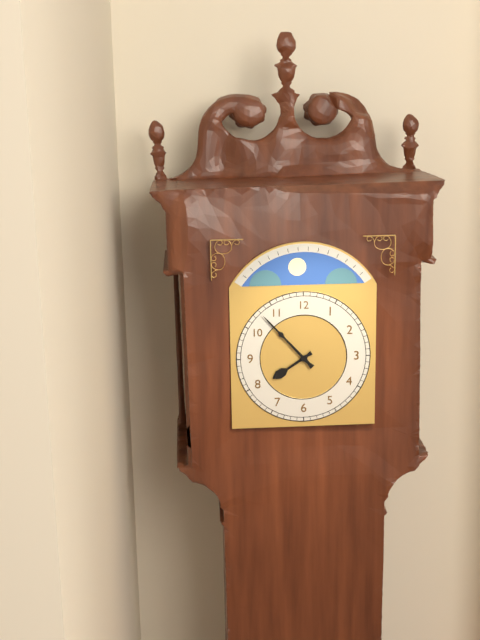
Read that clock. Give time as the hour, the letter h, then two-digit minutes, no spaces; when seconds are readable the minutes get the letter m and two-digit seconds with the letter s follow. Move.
7h53
